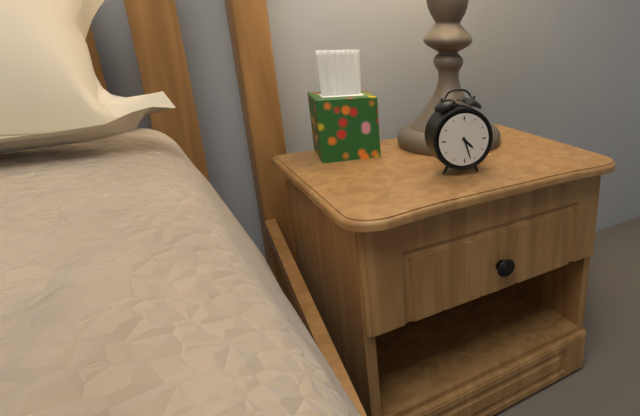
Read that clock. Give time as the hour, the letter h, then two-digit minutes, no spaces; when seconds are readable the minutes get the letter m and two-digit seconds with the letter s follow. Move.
4h27
